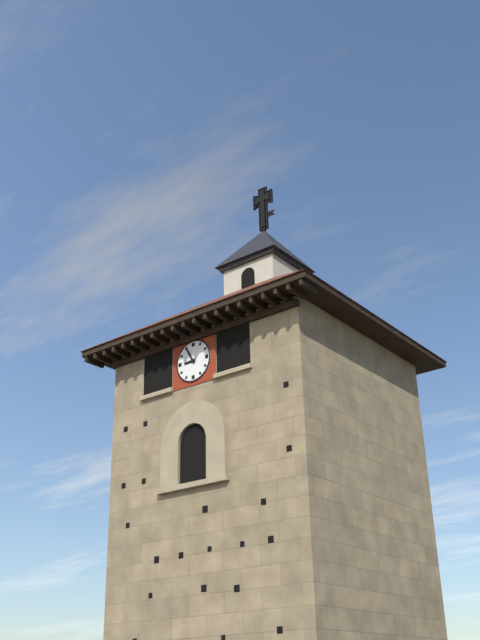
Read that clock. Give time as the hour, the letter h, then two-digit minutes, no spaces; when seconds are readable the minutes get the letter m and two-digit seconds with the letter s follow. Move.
8h55
